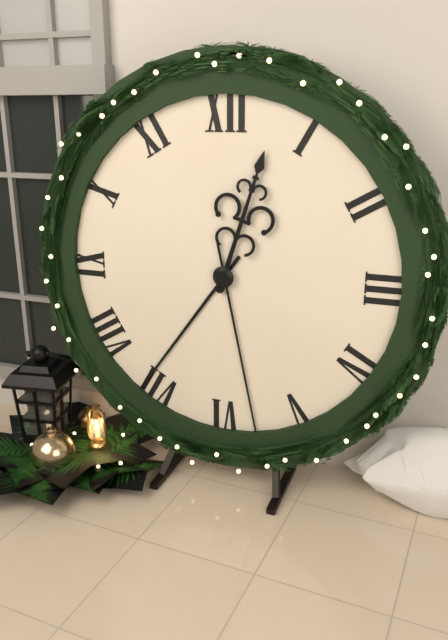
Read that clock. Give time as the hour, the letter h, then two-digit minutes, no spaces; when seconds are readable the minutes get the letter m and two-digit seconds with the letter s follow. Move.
12h36m28s
